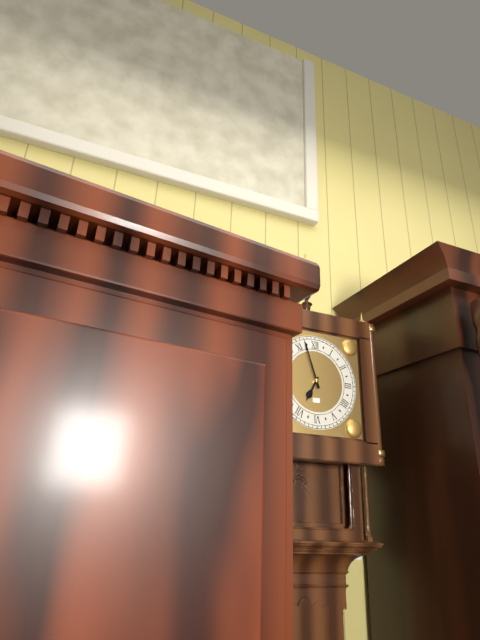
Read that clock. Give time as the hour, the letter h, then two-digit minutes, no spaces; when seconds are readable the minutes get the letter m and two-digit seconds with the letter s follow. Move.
6h57
